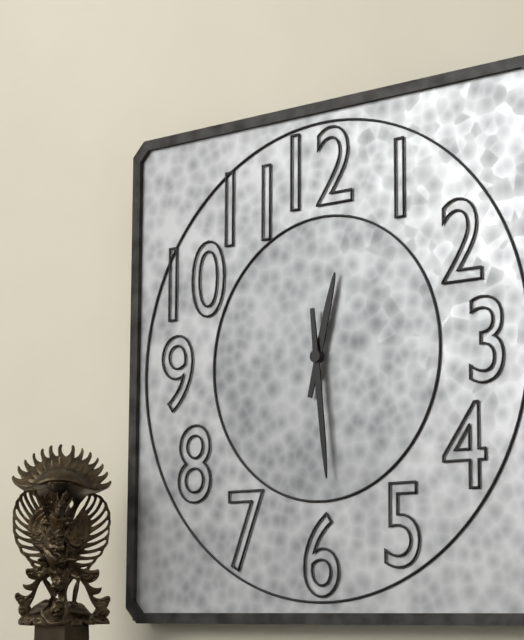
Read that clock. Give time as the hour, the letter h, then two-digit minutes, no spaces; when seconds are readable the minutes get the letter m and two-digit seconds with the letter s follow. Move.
12h29
